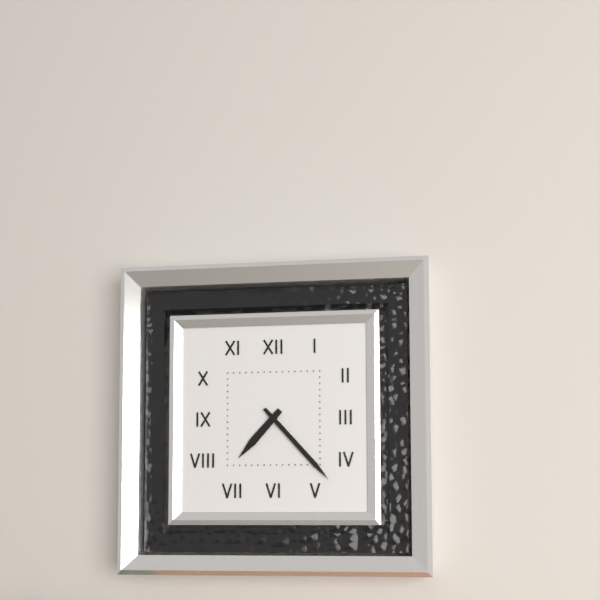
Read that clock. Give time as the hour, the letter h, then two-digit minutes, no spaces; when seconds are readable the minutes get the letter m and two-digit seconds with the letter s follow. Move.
7h23
